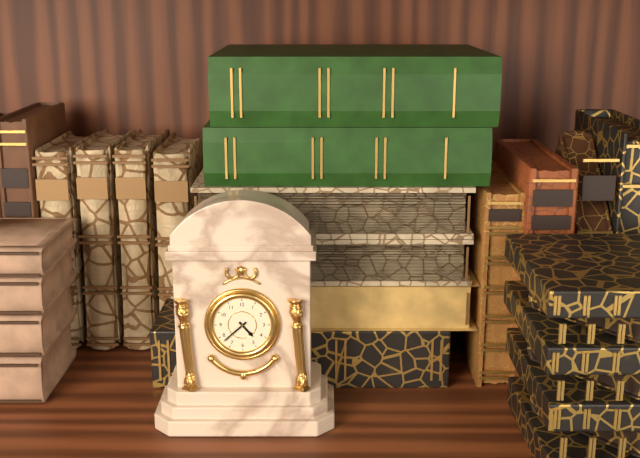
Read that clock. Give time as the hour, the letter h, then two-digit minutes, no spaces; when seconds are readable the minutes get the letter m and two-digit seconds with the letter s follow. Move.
4h38
